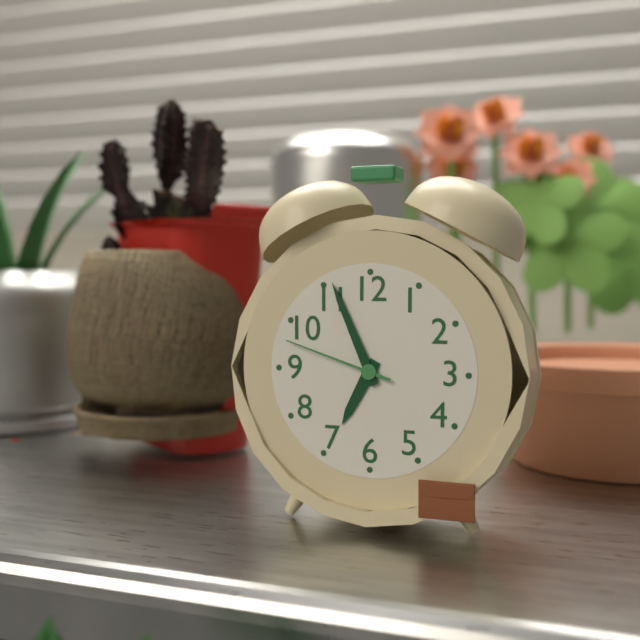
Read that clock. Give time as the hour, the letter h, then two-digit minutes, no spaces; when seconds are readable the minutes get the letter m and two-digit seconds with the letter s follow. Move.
6h56m48s
